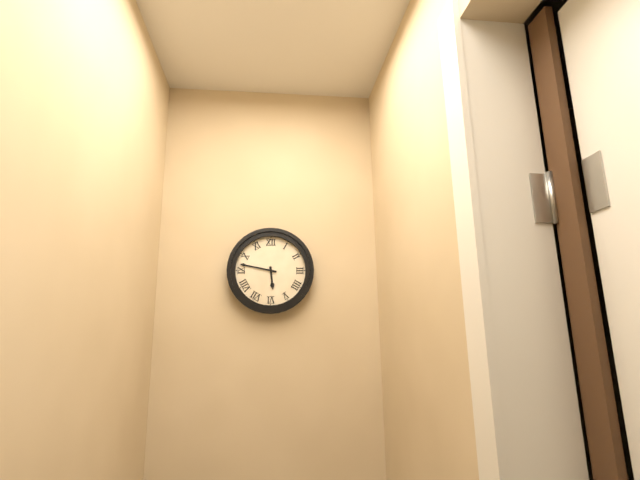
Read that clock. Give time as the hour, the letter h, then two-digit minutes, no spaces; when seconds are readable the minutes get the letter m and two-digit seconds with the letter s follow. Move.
5h47
